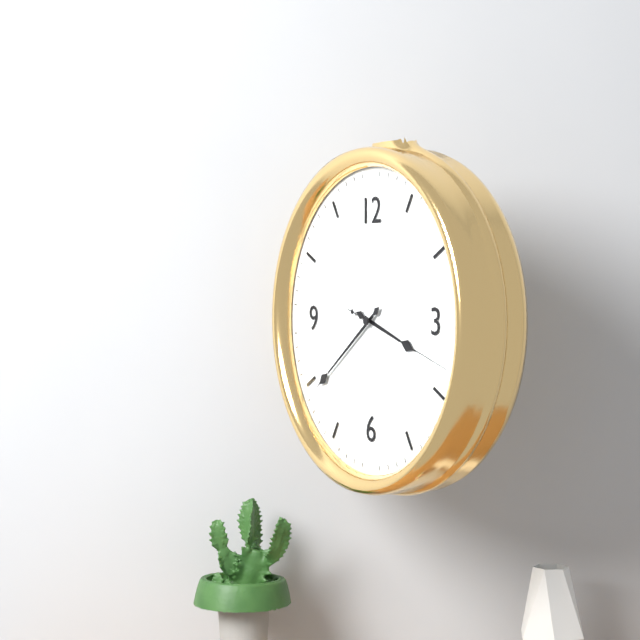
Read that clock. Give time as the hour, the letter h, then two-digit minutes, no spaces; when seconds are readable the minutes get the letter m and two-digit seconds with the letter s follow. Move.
3h39m18s
